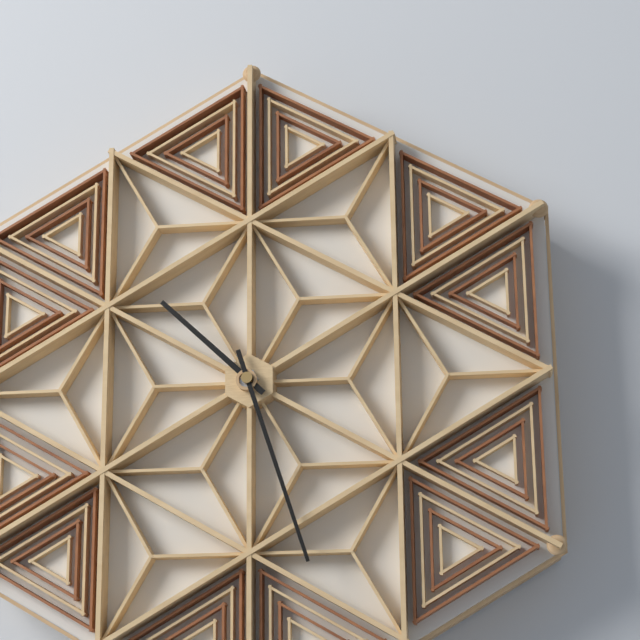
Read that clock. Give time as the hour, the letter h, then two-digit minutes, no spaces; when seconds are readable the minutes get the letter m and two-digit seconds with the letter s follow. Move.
10h27
